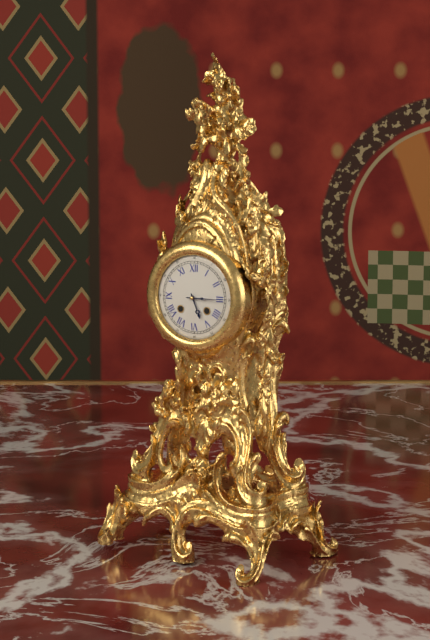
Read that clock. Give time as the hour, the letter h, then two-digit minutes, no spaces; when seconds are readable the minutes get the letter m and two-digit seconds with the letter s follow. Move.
5h15
